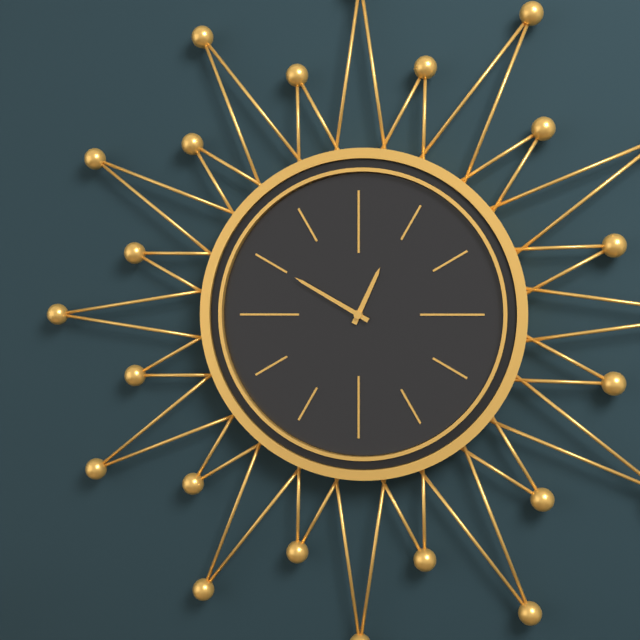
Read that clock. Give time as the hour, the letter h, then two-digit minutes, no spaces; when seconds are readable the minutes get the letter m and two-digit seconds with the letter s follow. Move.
12h50
